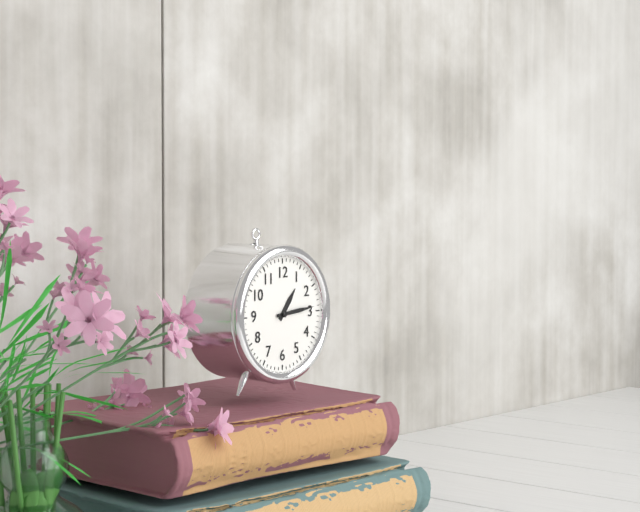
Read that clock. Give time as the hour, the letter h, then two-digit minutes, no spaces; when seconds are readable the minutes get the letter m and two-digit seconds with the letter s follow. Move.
1h14
